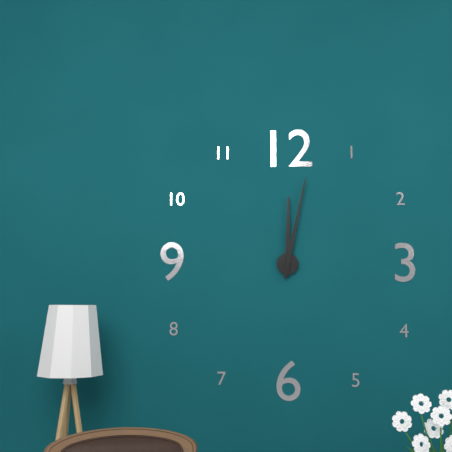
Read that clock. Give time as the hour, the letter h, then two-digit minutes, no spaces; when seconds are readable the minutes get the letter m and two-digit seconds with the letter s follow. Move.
12h02
